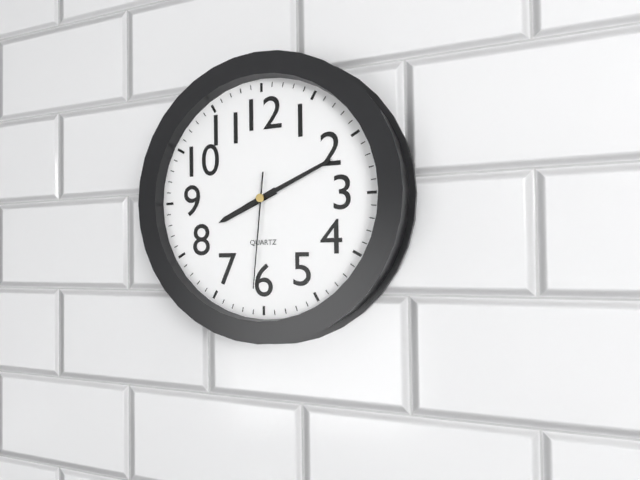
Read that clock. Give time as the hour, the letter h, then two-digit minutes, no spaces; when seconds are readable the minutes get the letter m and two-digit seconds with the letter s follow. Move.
8h11m31s
